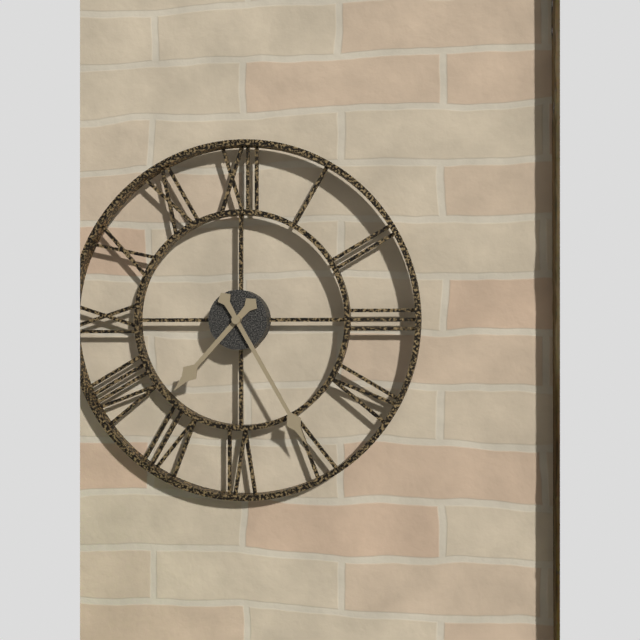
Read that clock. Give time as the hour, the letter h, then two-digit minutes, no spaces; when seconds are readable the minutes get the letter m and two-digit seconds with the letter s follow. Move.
7h25
